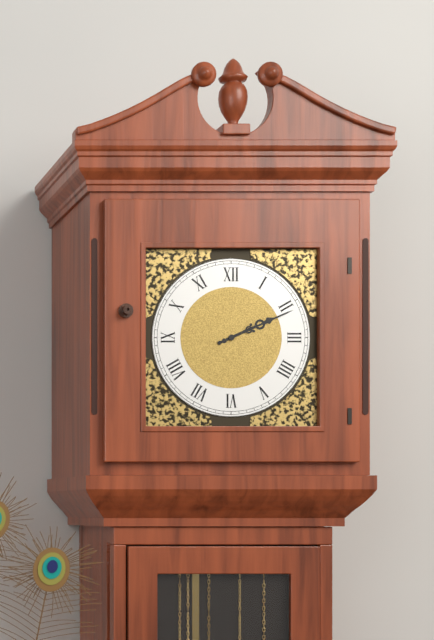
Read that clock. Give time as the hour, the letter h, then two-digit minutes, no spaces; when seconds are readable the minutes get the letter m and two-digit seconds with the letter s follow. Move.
2h11
